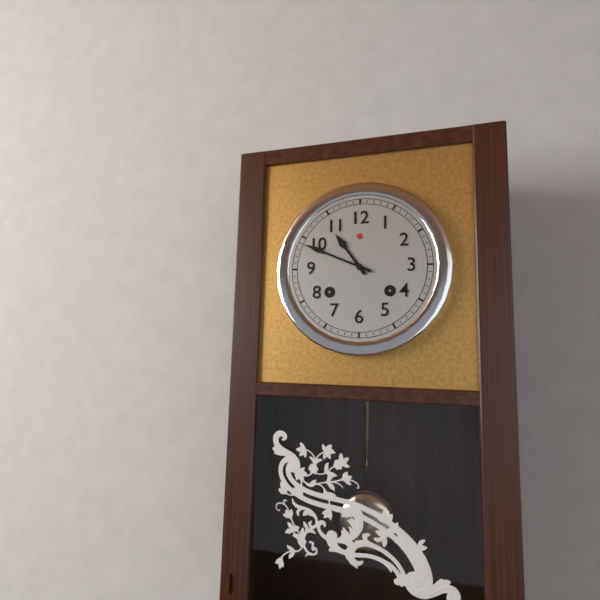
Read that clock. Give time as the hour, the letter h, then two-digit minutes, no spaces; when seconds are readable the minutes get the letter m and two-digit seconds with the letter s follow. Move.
10h49
